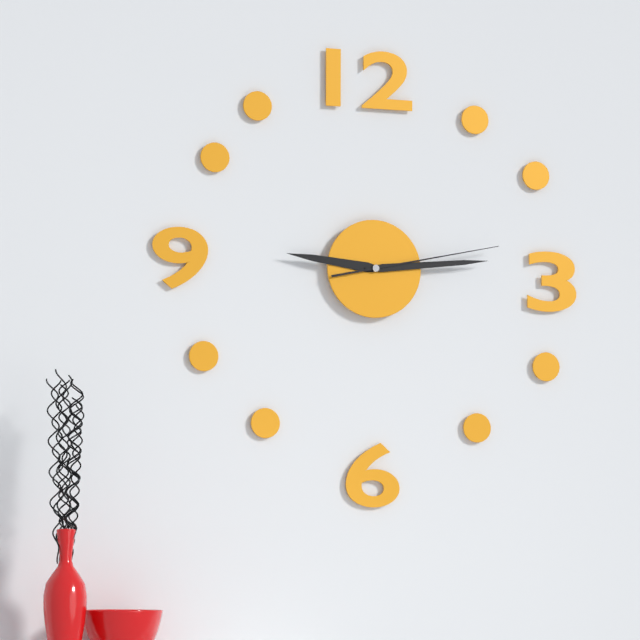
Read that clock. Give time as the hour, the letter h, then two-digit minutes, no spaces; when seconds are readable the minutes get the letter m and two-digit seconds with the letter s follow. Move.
9h14m13s
